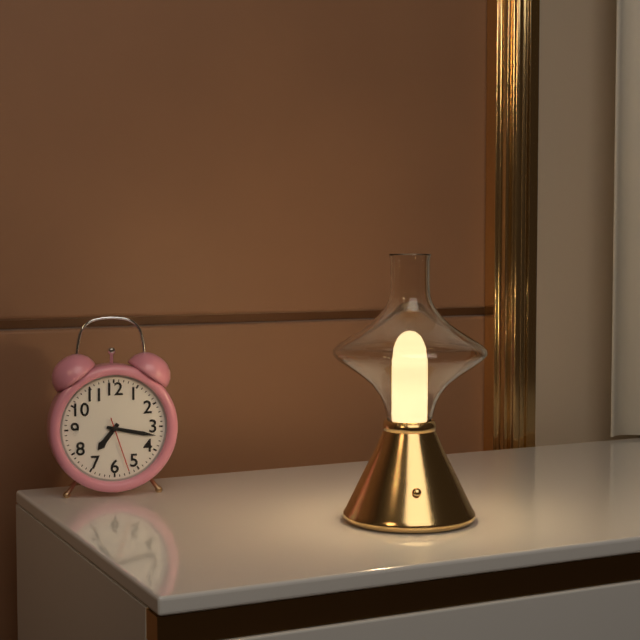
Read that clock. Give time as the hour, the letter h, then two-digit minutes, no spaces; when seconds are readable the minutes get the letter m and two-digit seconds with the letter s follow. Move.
7h17m27s
